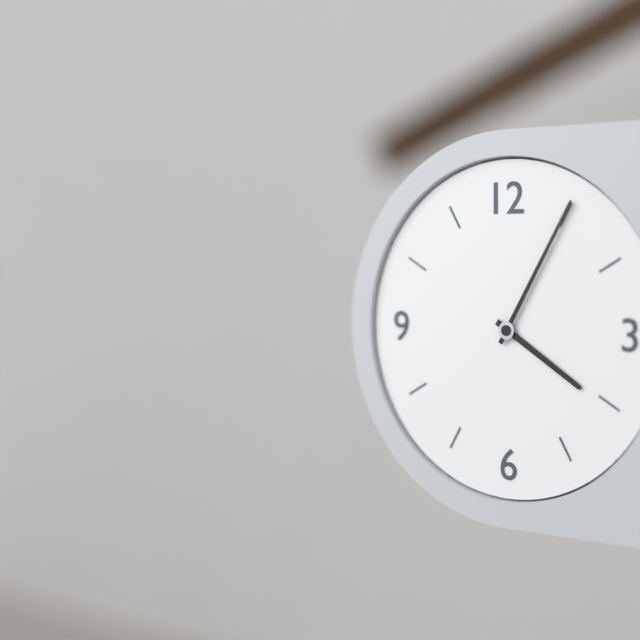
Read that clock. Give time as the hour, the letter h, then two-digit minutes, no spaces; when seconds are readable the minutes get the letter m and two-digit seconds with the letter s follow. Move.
4h05
